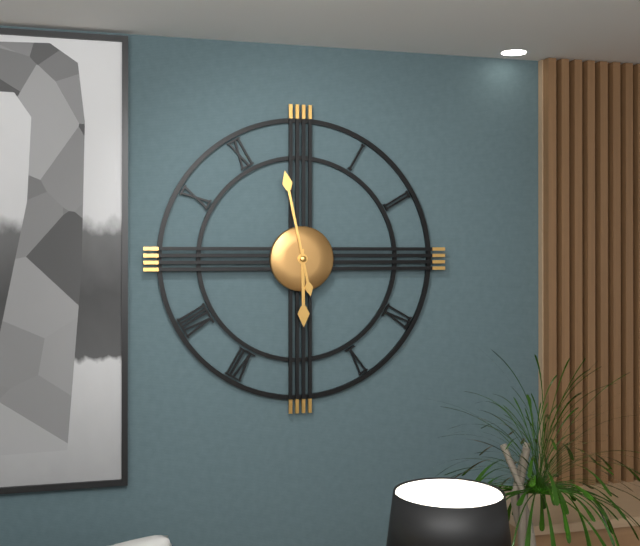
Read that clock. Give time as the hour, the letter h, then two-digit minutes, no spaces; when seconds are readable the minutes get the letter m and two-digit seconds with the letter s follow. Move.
5h58
